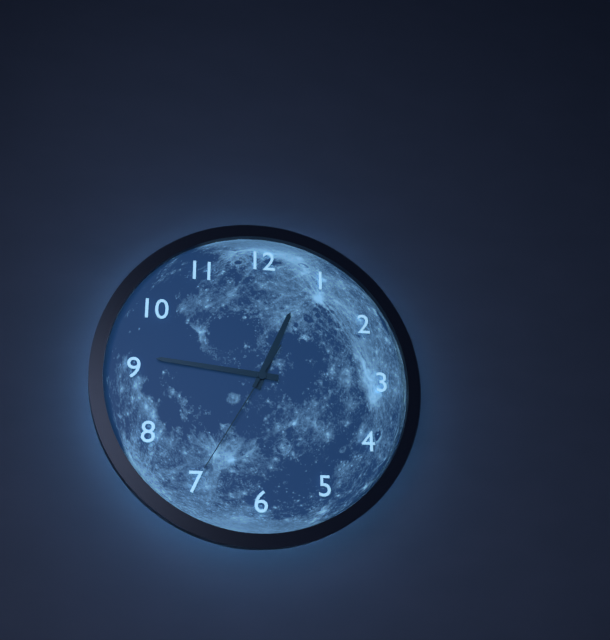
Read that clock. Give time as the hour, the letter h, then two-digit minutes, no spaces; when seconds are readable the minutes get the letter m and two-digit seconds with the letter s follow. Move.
12h46m35s
